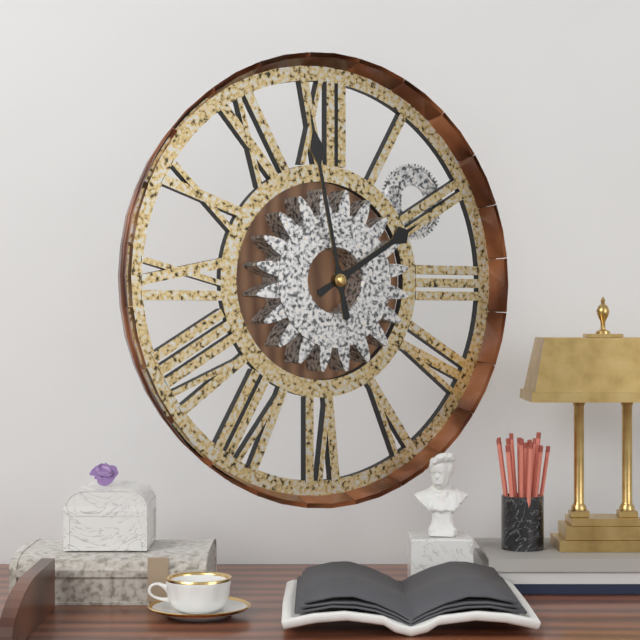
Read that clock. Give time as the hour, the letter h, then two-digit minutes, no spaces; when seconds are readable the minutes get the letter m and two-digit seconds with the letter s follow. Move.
1h58
